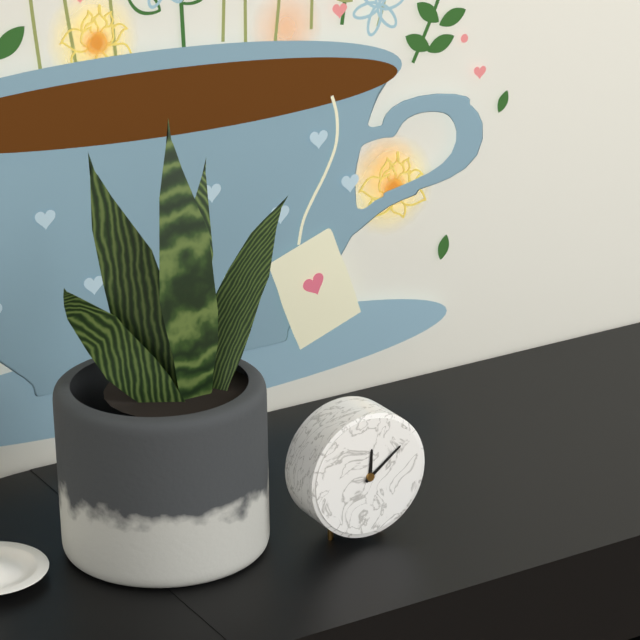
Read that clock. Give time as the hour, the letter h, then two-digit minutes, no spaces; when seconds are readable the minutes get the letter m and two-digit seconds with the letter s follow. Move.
12h09
